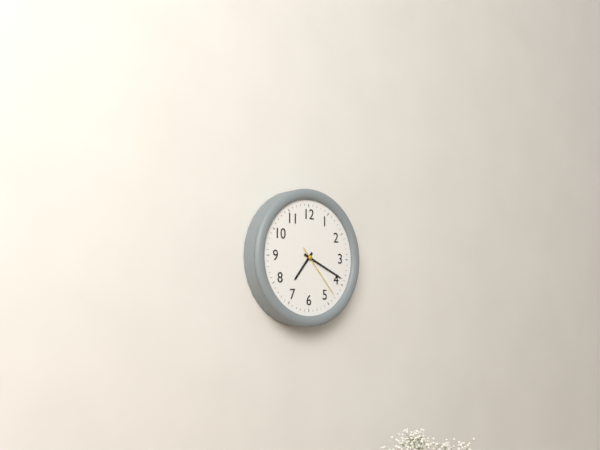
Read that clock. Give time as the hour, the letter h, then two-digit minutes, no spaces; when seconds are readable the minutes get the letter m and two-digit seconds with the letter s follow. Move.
7h19m23s
